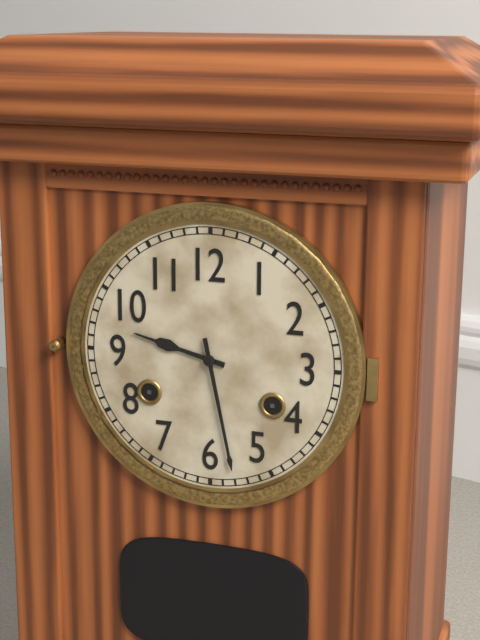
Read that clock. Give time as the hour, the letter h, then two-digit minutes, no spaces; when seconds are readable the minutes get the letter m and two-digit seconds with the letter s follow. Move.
9h28
